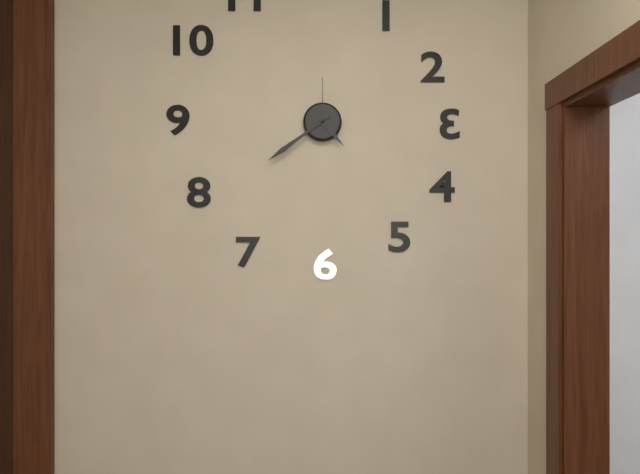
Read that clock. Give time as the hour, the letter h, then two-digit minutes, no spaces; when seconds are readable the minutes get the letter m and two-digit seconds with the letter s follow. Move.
4h39m00s
